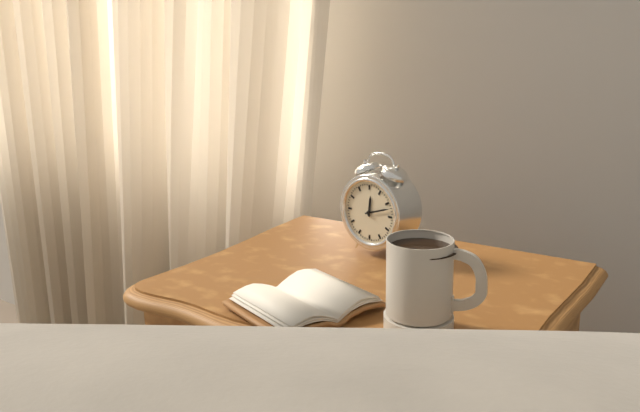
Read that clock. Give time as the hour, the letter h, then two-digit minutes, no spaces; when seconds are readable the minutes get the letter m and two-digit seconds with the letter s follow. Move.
12h12
